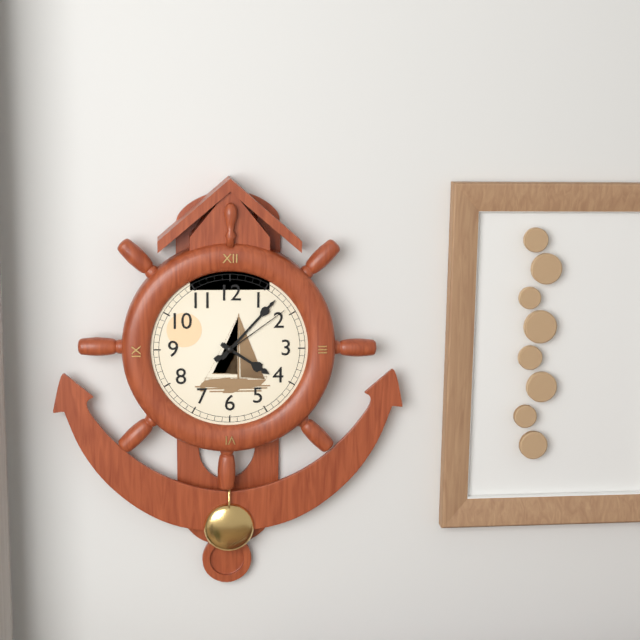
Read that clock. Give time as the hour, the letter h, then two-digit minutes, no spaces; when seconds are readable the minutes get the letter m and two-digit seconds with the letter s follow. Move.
4h07m09s
